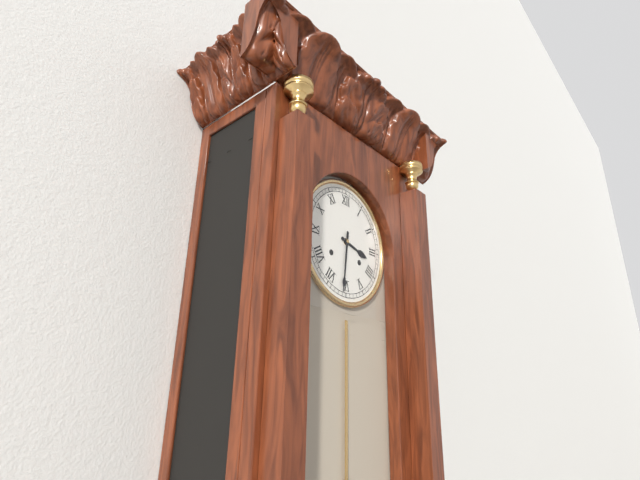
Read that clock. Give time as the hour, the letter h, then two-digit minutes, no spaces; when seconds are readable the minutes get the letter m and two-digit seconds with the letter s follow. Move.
3h31
